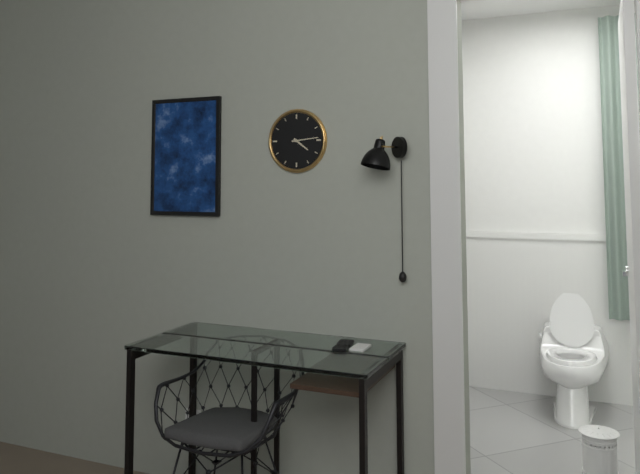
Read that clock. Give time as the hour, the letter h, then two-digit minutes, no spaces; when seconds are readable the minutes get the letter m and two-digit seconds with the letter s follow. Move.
4h14
